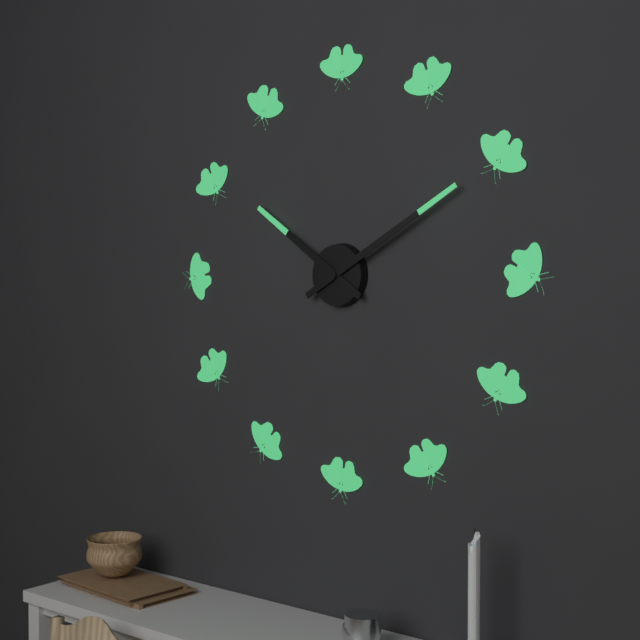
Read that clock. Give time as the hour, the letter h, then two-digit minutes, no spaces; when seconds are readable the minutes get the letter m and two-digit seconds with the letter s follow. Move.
10h10
